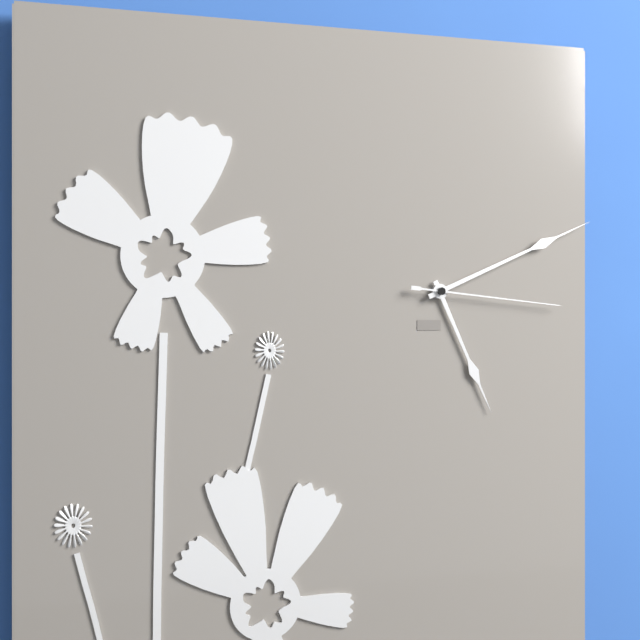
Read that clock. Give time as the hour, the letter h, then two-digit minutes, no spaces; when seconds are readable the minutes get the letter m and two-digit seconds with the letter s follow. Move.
5h11m16s
